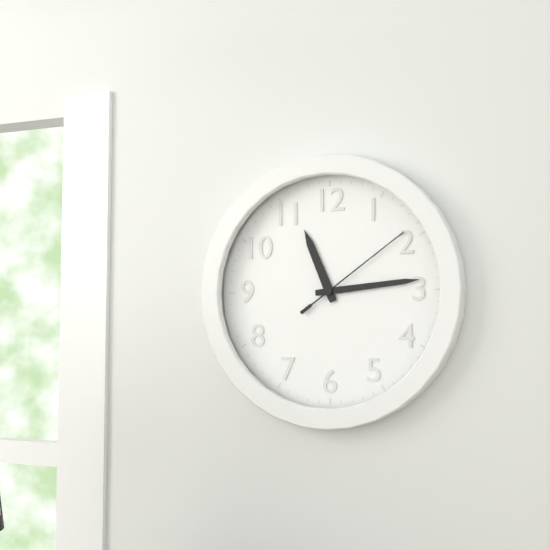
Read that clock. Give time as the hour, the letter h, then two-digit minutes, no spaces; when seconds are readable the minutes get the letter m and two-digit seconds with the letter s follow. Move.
11h14m09s
